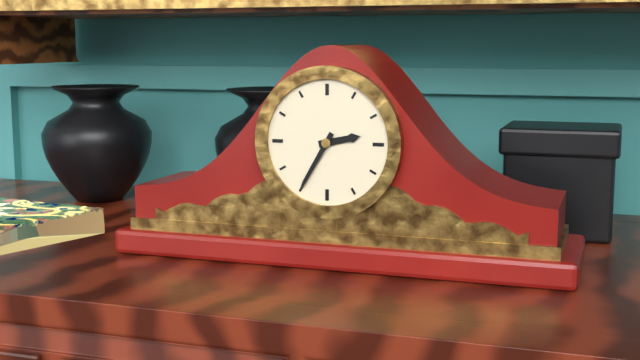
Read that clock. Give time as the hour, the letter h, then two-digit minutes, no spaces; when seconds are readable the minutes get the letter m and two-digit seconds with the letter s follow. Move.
2h35
